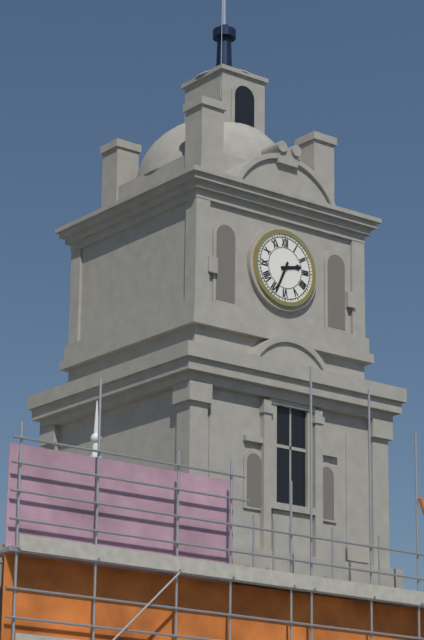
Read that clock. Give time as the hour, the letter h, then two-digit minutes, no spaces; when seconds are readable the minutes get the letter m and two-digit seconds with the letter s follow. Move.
2h34
